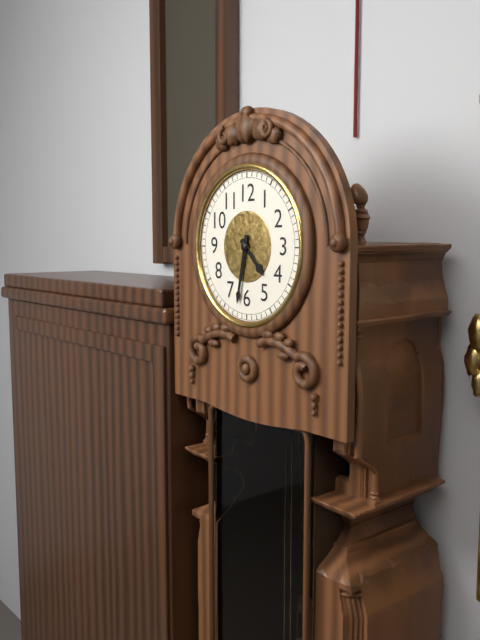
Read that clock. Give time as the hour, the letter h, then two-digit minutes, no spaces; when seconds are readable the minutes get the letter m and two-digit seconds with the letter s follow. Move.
4h32
